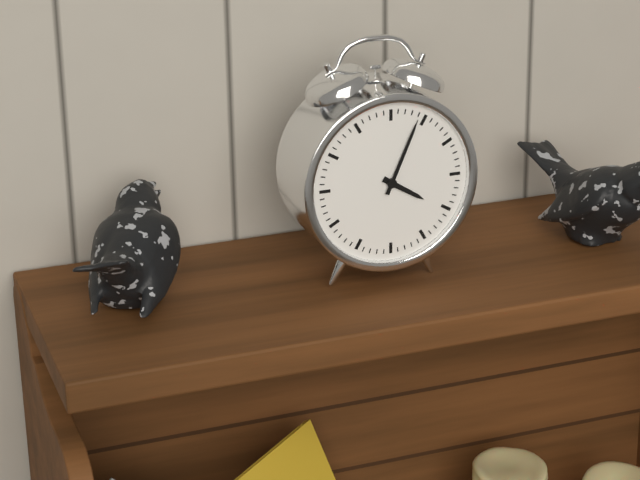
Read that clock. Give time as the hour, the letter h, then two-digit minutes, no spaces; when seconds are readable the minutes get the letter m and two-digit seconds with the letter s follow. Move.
4h04
